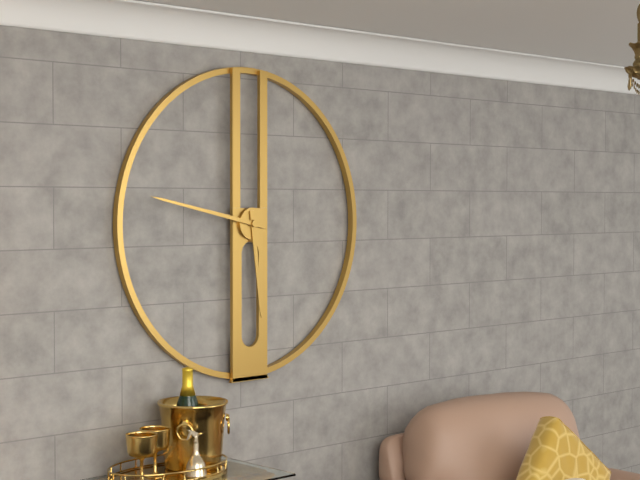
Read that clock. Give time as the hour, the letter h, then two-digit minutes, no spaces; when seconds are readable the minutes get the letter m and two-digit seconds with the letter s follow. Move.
5h47
